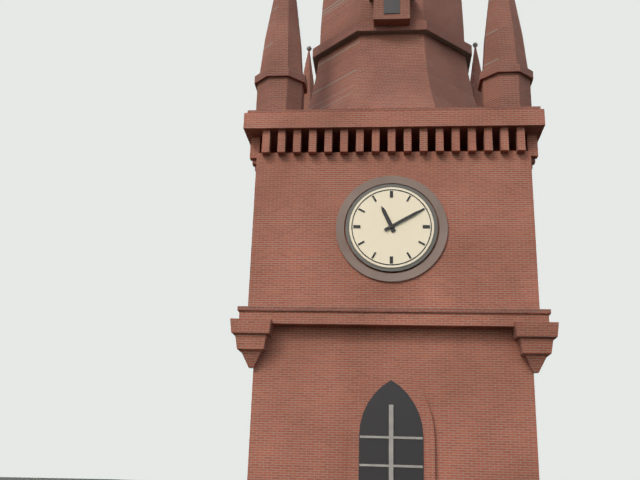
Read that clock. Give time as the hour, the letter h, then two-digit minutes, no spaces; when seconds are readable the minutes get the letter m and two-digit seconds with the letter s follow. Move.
11h10
